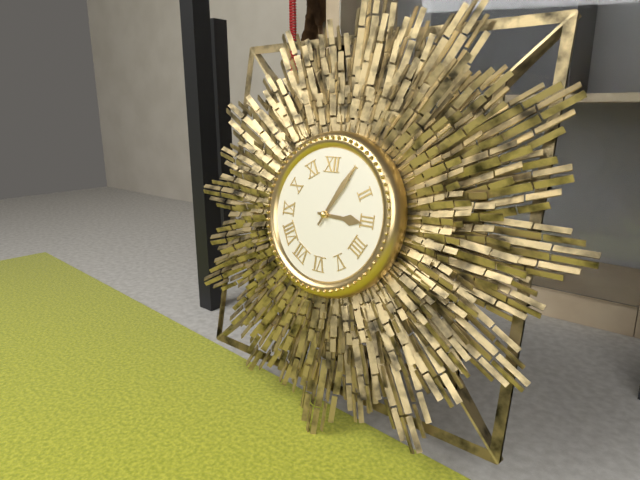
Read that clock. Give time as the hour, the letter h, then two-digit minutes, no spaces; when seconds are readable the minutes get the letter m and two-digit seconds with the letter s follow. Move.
3h05
